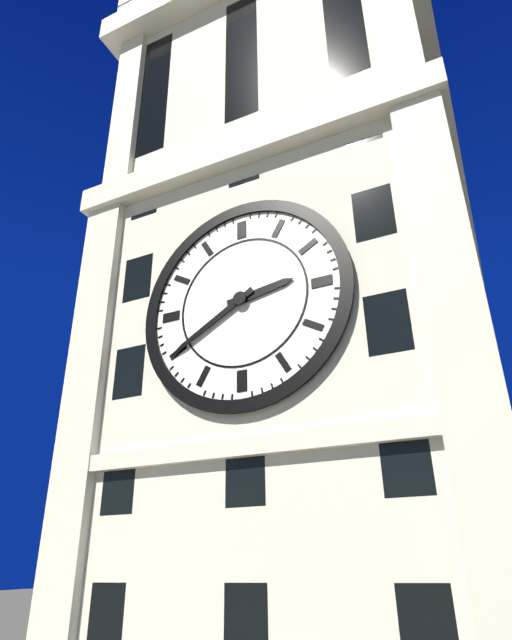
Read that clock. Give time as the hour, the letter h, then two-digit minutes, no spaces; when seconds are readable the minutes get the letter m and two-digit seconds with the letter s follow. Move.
2h40
